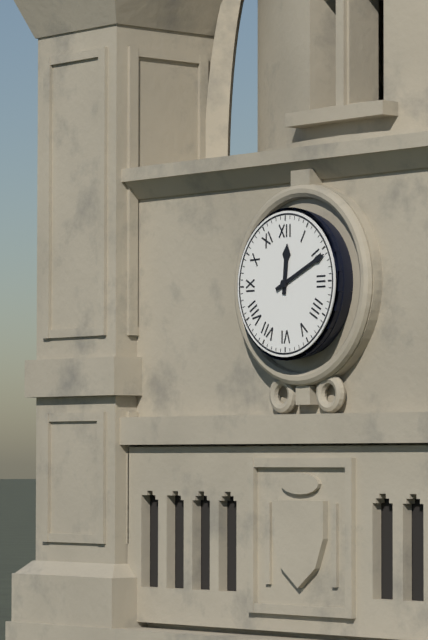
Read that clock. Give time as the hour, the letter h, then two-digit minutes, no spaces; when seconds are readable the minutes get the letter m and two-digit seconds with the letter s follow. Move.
12h11
